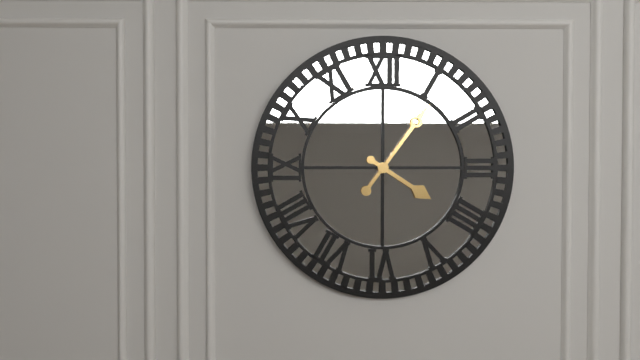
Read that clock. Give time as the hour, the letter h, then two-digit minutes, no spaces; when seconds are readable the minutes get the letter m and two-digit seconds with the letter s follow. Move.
4h06
